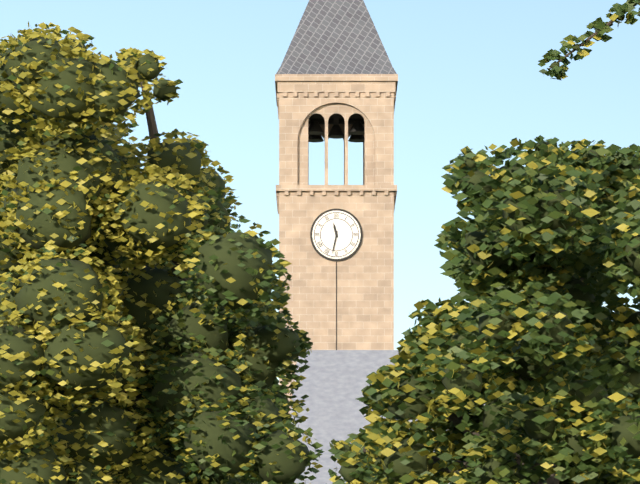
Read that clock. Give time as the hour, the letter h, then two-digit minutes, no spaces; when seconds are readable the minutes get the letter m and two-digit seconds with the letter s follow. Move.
11h32
